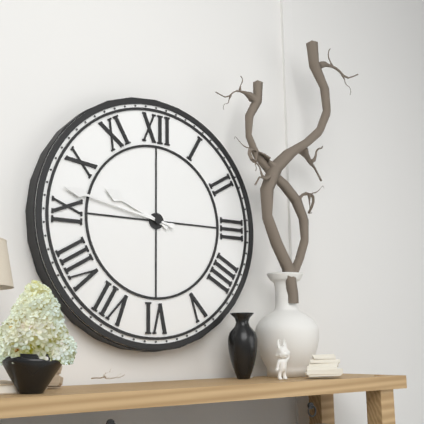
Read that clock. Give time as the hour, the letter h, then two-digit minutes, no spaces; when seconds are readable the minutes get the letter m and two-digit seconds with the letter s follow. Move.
9h47
